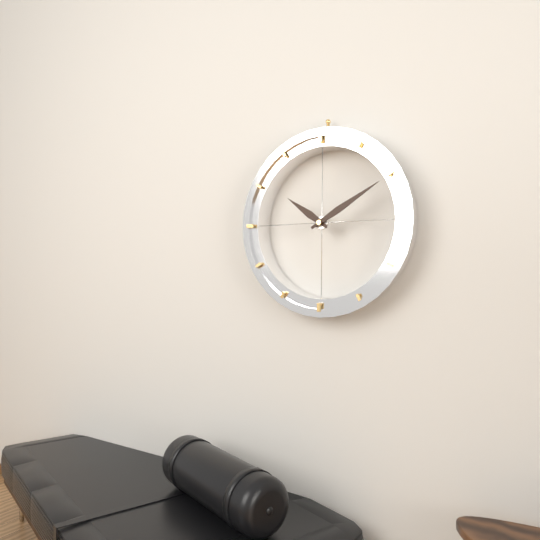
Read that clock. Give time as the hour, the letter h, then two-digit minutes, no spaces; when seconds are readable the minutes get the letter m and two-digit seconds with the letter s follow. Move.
10h10
